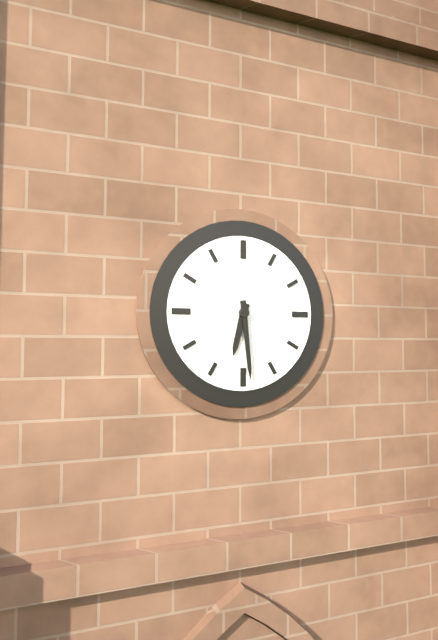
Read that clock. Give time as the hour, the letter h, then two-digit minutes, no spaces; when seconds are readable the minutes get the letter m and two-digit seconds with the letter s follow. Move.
6h29
